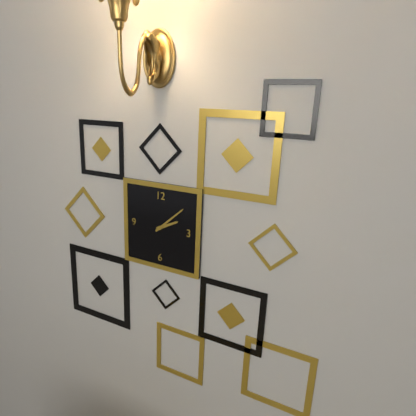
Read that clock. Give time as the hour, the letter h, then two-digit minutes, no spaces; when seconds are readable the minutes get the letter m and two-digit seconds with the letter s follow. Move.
2h08
